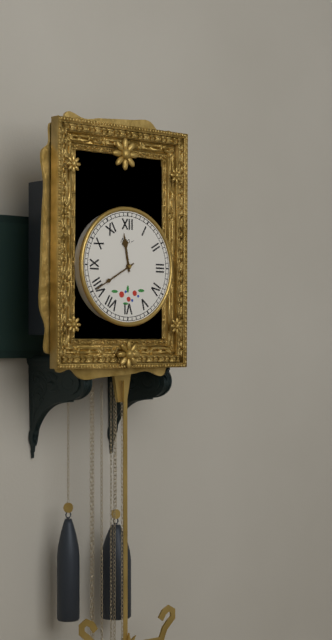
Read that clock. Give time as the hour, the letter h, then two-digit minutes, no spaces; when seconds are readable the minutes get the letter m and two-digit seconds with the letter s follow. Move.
11h40
